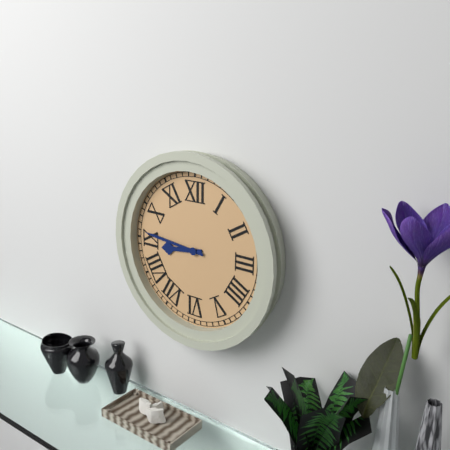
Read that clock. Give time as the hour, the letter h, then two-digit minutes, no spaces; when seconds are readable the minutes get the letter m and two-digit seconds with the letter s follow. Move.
8h46
